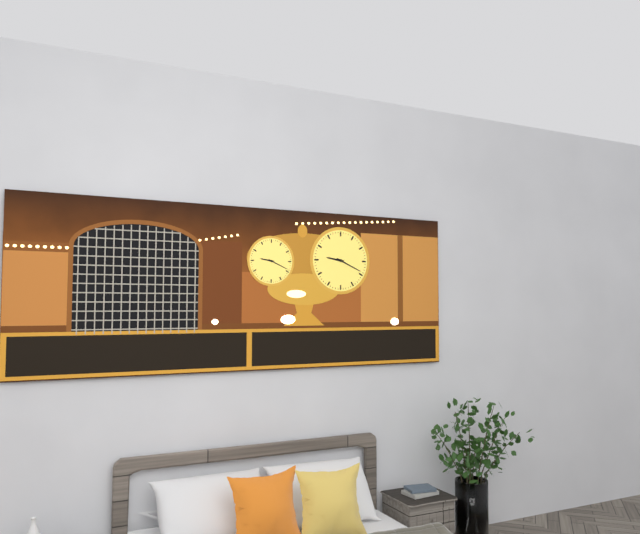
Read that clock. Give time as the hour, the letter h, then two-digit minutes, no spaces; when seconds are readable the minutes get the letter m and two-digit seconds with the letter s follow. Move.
9h19
